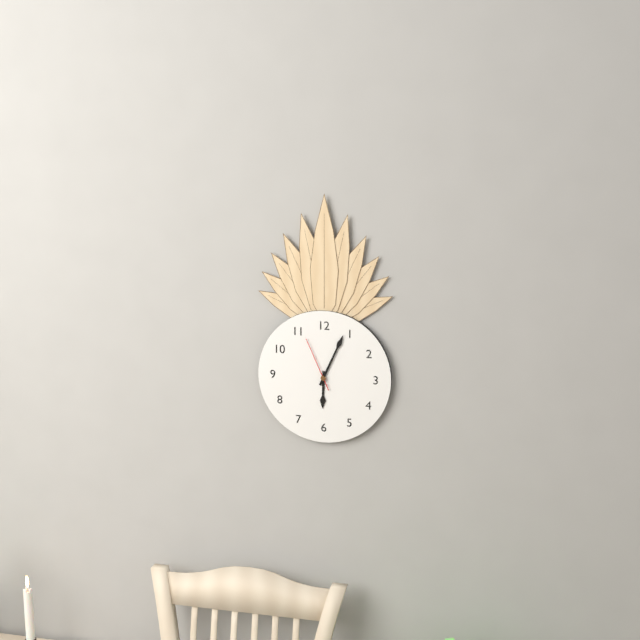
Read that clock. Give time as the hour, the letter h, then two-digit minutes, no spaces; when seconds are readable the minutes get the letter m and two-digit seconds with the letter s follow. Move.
6h04m56s
